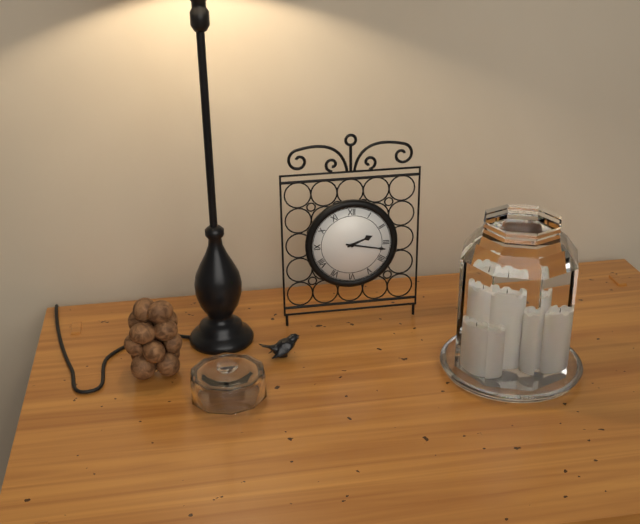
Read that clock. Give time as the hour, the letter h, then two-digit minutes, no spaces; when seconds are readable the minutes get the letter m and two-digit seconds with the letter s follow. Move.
2h17
